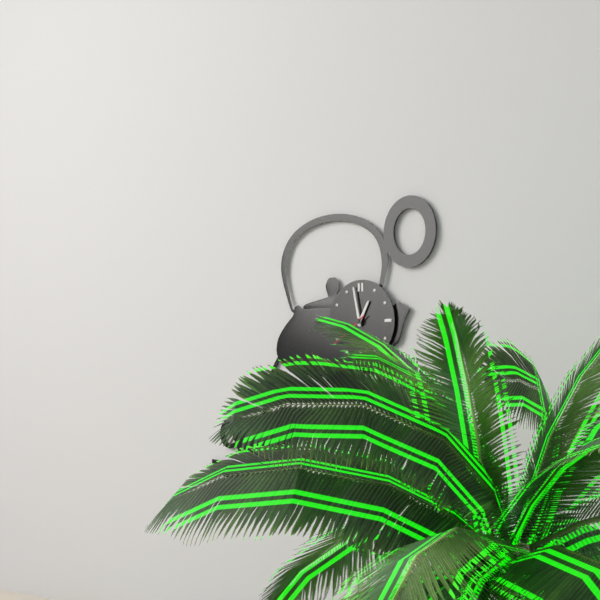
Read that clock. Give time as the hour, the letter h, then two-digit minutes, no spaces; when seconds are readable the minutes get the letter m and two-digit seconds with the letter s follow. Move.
12h58
